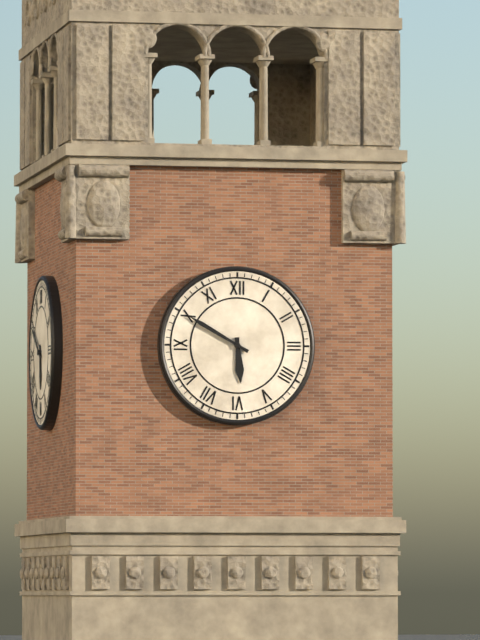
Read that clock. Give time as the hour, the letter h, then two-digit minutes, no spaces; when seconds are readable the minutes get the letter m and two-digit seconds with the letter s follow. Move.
5h50
